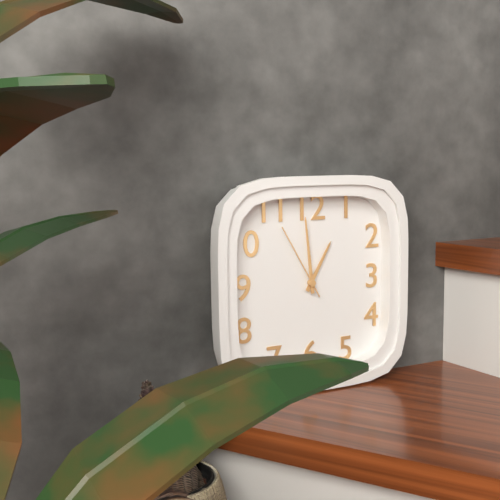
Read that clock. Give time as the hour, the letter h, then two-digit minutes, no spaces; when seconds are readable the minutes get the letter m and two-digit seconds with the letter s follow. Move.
12h59m55s
